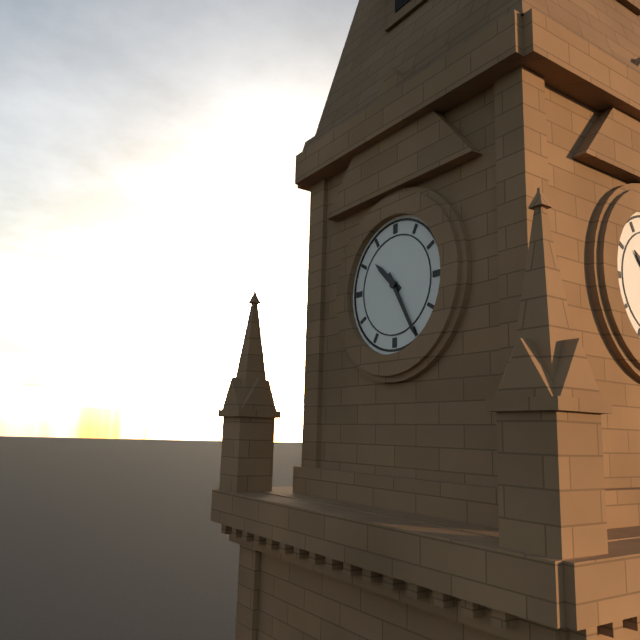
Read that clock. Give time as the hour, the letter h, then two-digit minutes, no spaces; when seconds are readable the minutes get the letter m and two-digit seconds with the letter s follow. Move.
10h25
